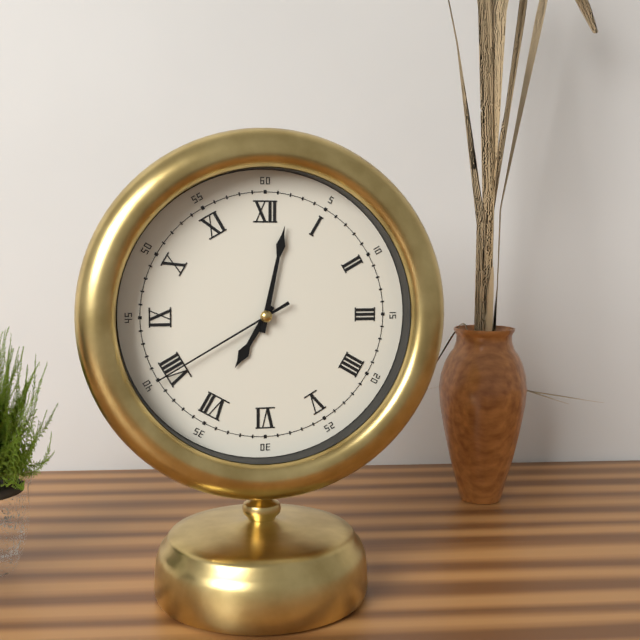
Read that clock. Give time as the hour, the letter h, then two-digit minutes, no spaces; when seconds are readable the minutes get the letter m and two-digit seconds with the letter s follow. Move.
7h02m40s
